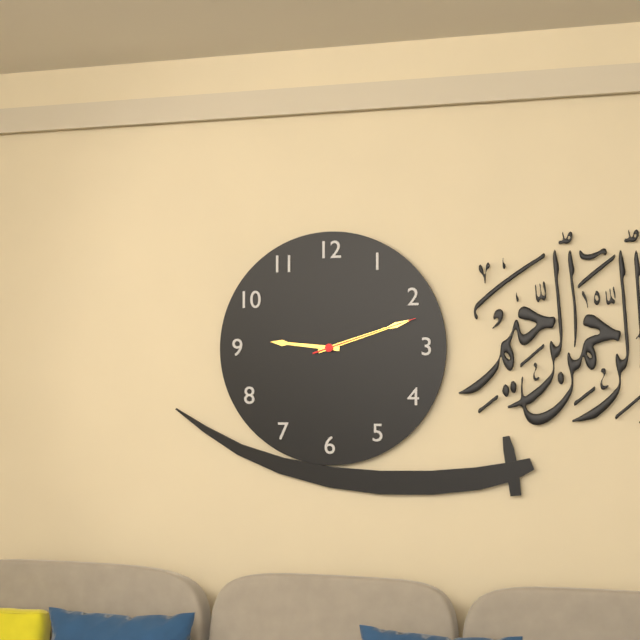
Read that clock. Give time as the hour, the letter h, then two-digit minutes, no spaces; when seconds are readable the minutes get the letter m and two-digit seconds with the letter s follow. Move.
9h12m12s
